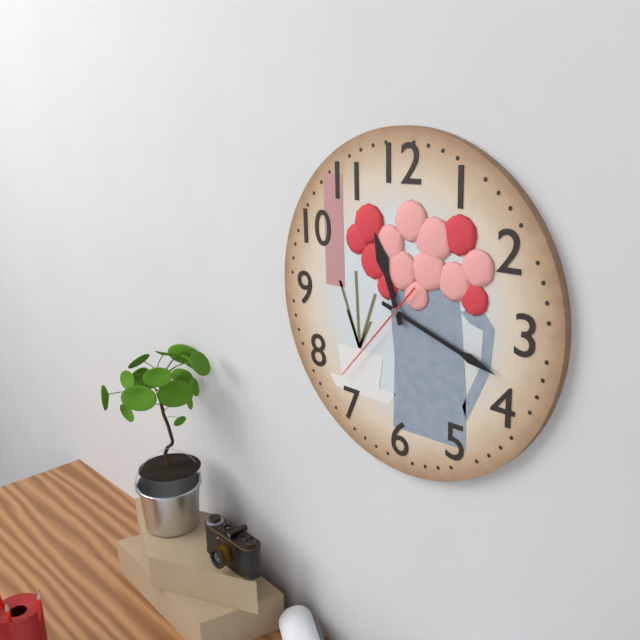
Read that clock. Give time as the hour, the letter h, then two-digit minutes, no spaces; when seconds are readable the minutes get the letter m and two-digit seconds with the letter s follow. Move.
11h18m37s
